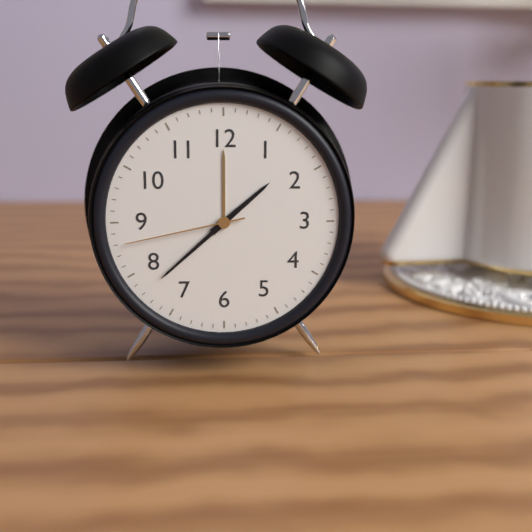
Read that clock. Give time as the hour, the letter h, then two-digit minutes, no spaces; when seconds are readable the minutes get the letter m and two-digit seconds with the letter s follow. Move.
1h38m43s
